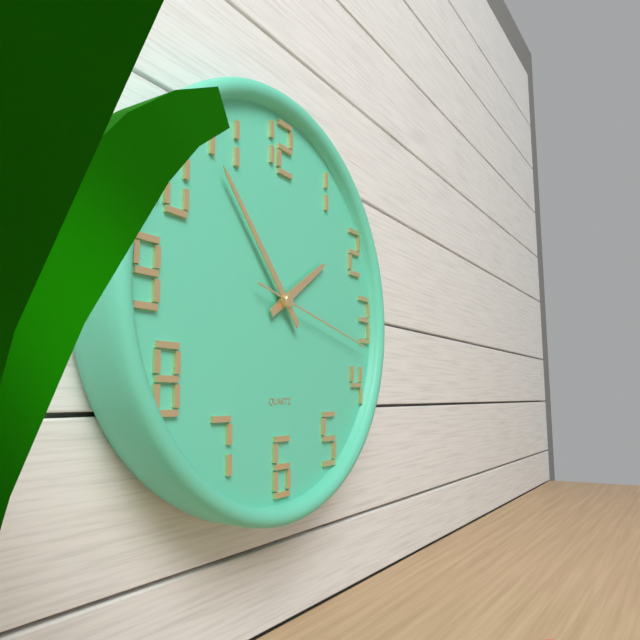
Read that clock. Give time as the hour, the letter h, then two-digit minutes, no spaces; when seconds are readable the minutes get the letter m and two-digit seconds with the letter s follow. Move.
1h53m17s
